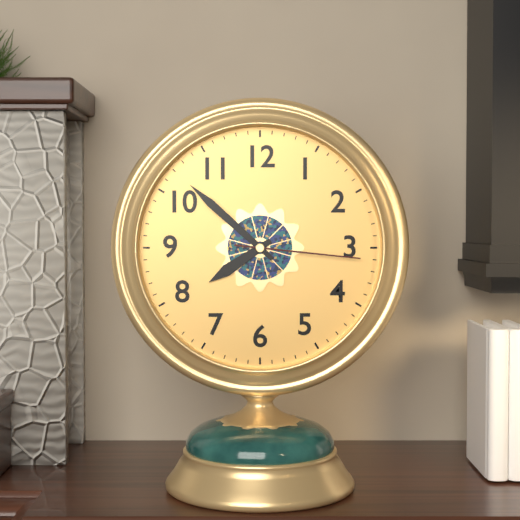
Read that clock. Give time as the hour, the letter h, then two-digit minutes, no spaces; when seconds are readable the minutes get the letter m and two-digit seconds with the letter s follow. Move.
7h52m16s
